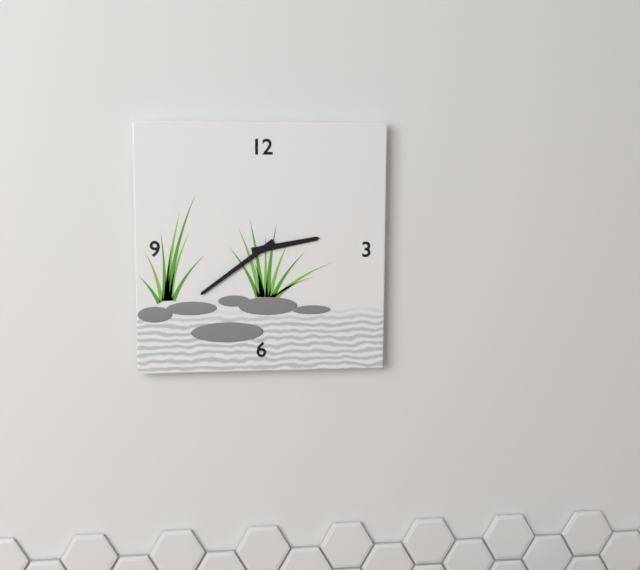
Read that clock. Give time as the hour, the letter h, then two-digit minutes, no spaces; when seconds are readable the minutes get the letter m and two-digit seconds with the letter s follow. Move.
2h39
